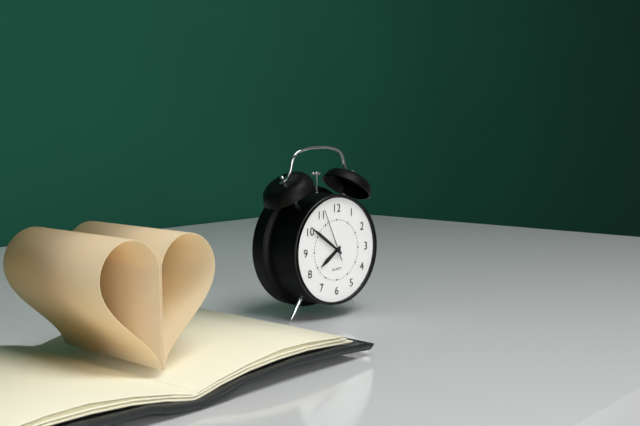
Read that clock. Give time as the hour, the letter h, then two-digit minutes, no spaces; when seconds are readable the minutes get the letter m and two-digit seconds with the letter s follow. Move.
7h51m56s
